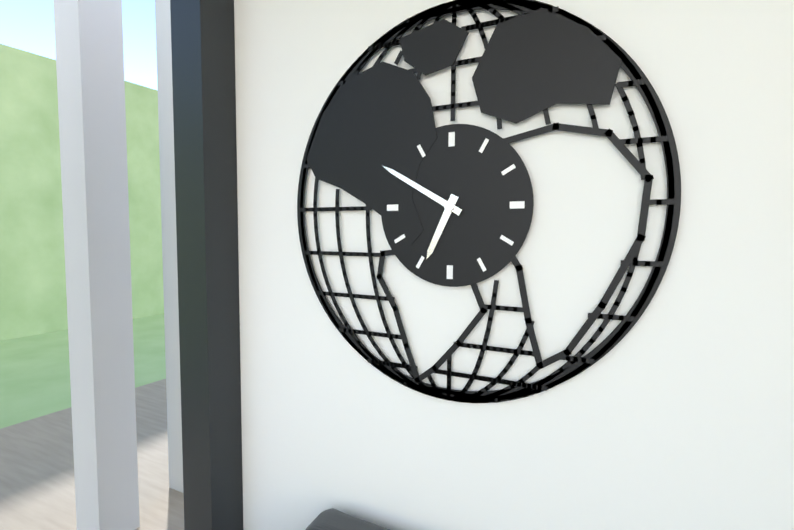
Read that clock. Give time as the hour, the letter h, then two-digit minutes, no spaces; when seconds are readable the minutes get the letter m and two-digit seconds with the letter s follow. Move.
6h50
